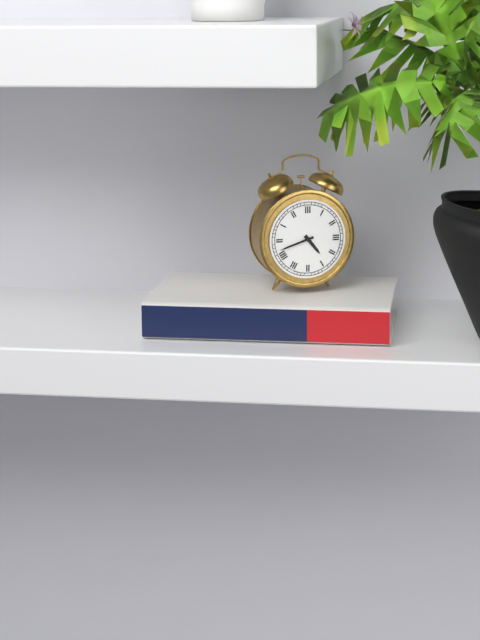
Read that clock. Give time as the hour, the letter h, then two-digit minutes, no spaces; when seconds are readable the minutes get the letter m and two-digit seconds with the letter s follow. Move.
4h42
